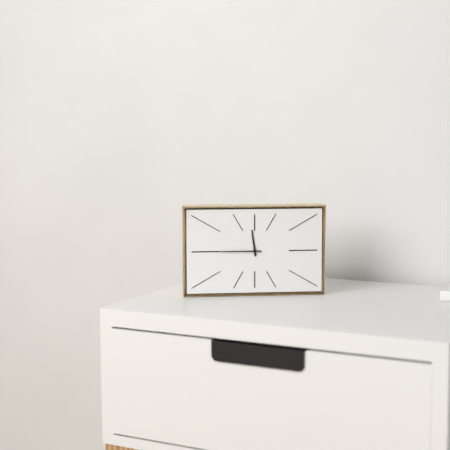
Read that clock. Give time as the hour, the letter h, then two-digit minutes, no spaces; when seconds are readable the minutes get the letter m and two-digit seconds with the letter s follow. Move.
11h45
